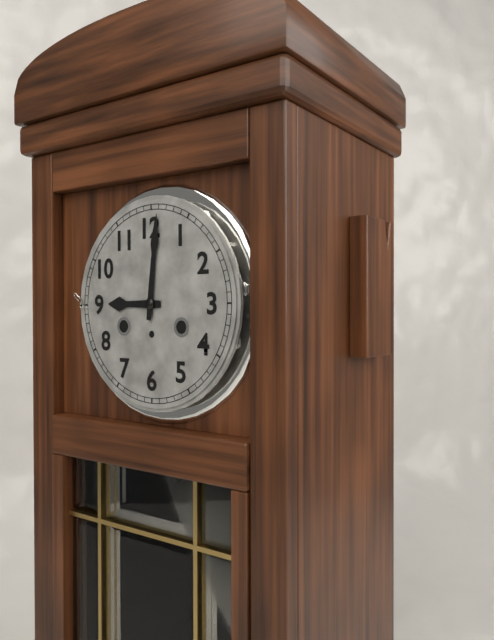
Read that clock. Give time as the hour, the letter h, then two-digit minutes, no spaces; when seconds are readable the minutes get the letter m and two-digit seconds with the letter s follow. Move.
9h01
